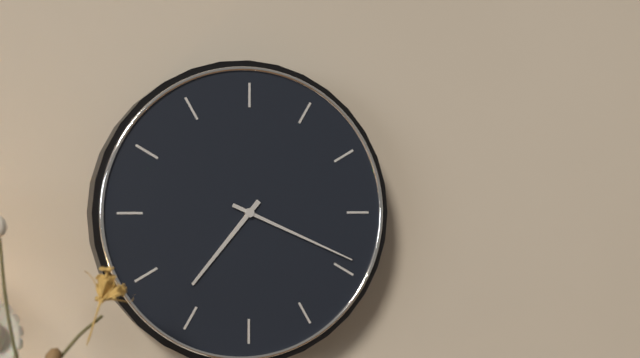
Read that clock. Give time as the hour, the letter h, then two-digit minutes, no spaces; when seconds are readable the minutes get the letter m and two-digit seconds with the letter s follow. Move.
7h19
